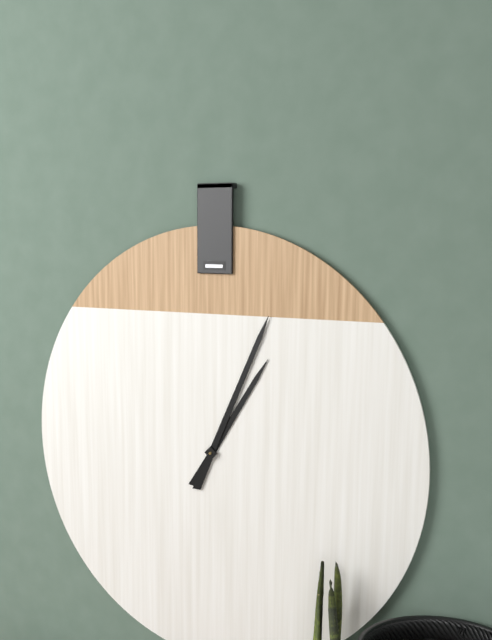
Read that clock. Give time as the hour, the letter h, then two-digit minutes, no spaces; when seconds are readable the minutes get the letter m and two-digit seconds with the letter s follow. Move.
1h04
